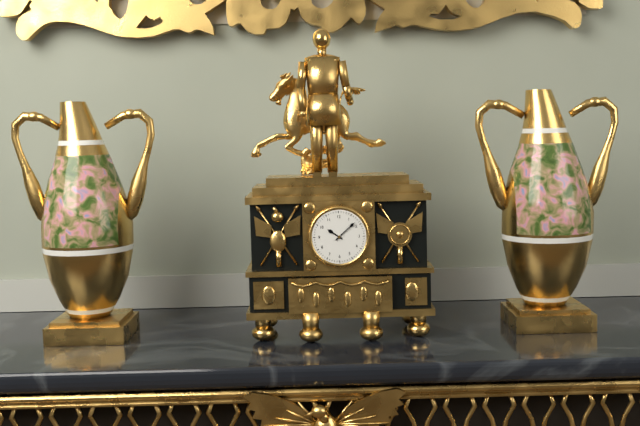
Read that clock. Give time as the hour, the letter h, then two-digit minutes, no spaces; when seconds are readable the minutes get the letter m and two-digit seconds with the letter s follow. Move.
10h08
